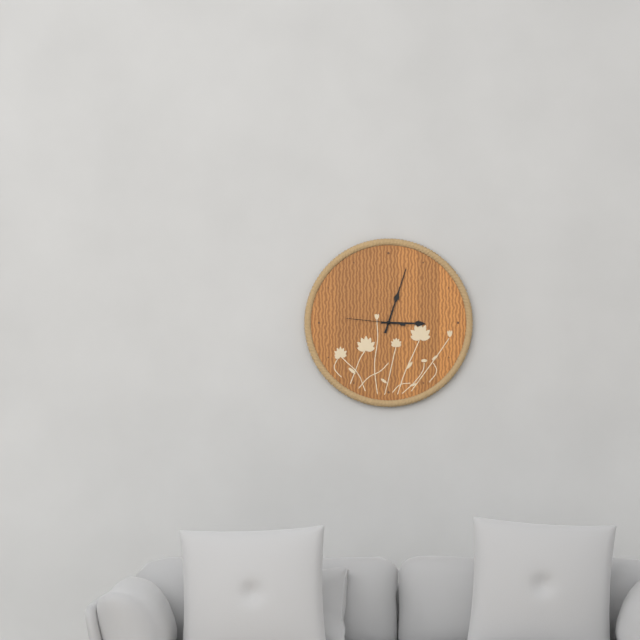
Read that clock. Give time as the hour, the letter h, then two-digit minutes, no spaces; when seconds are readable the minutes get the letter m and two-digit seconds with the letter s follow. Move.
3h03m46s
